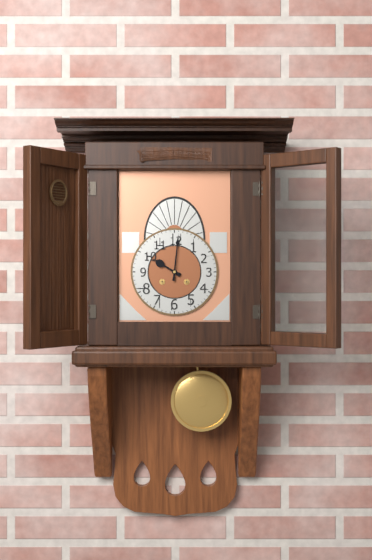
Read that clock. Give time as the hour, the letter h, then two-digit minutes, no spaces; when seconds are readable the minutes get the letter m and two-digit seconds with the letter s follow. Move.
10h01
